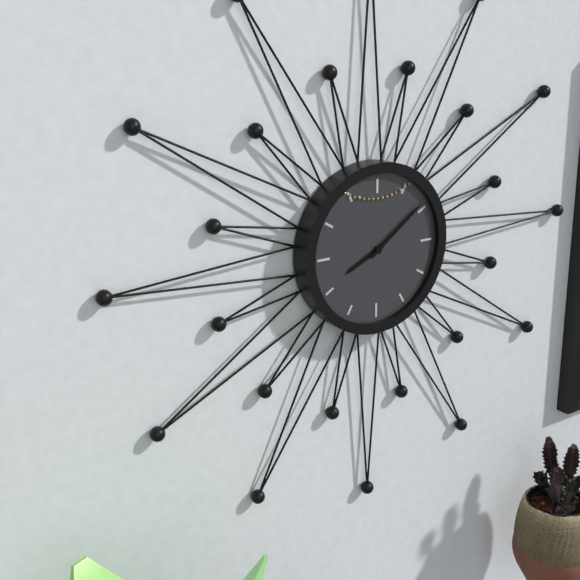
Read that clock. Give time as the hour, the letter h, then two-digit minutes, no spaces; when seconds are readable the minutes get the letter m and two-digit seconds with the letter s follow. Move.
8h09
